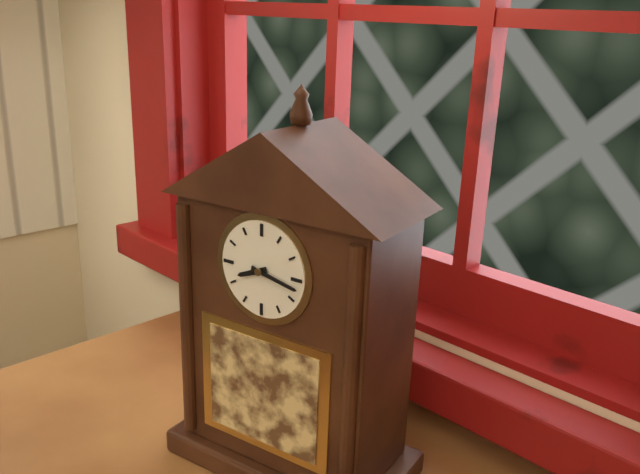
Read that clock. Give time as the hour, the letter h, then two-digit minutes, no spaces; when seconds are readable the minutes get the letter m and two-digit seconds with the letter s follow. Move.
8h17
